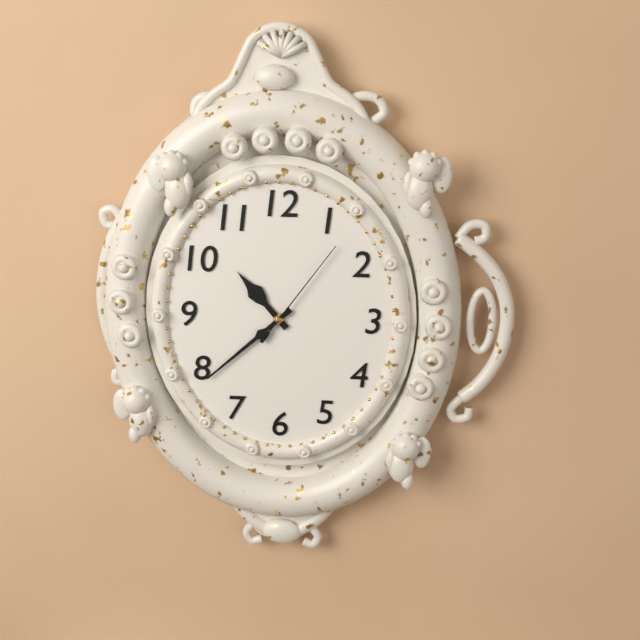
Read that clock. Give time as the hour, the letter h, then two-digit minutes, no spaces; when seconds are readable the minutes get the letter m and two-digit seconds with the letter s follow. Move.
10h38m06s
